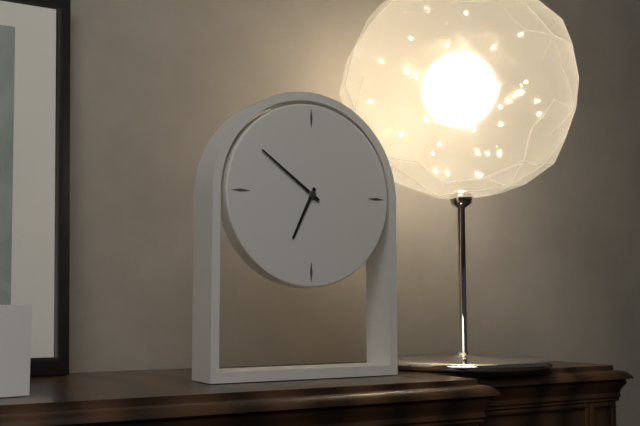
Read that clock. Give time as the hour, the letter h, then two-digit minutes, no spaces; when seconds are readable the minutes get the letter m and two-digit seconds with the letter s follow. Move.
6h51
